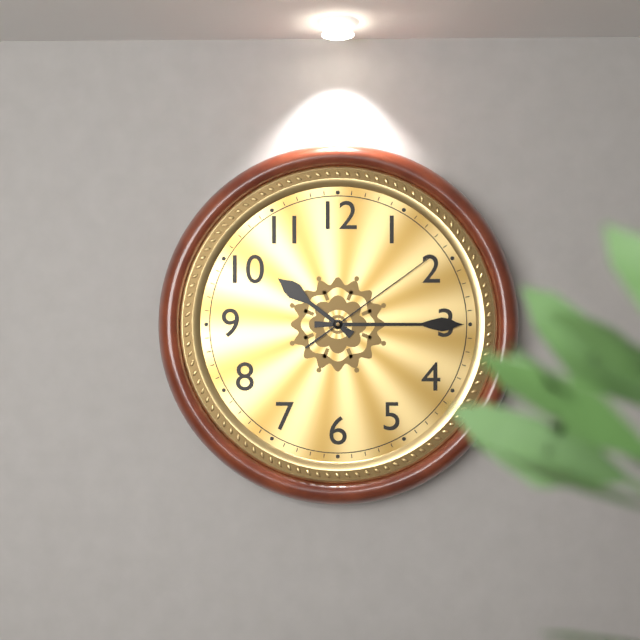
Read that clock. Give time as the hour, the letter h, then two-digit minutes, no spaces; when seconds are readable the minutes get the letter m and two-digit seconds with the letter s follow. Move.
10h15m09s
